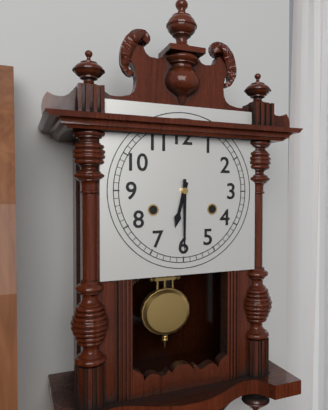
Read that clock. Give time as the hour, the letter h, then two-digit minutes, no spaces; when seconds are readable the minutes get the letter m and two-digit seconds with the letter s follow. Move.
6h30
